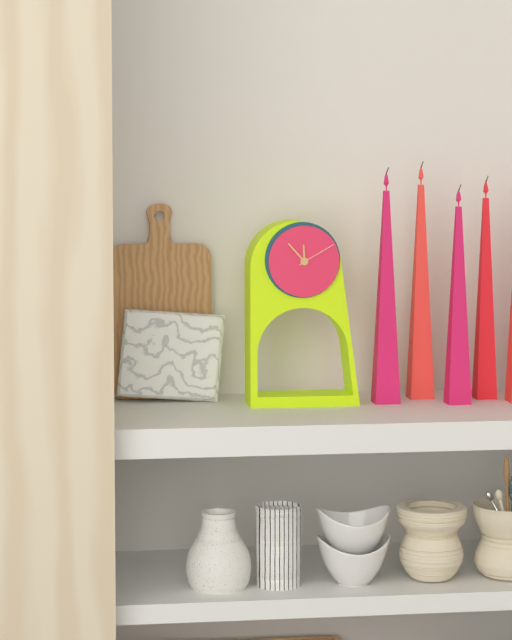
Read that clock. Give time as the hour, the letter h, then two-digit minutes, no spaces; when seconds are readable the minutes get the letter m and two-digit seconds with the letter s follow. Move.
11h53
